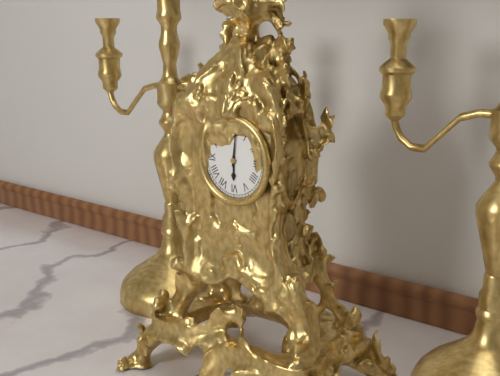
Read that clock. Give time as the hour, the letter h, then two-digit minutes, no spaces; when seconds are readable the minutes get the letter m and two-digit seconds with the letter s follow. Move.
6h01
